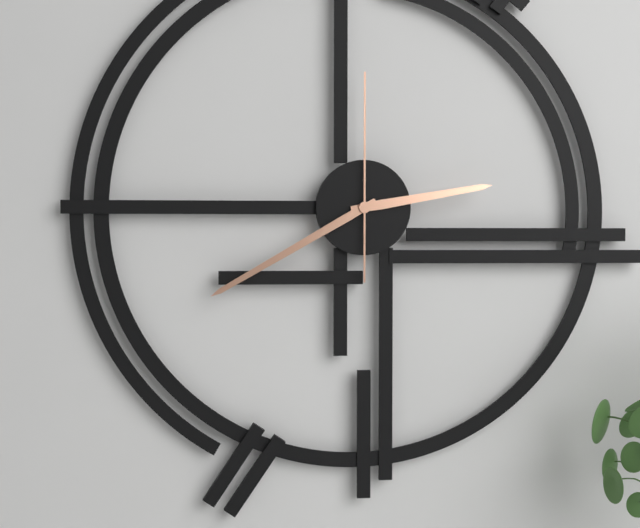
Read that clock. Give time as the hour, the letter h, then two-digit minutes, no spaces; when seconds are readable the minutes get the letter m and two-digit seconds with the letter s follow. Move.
2h40m00s
